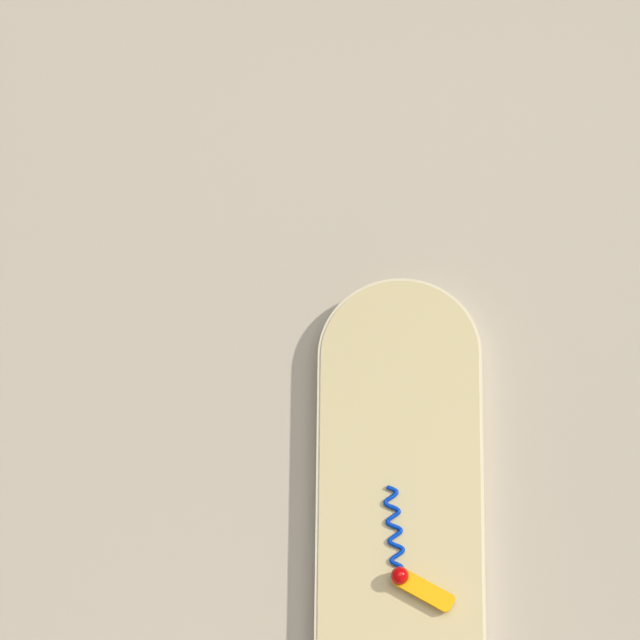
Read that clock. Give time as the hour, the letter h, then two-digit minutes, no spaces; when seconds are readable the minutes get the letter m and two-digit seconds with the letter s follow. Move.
3h59
